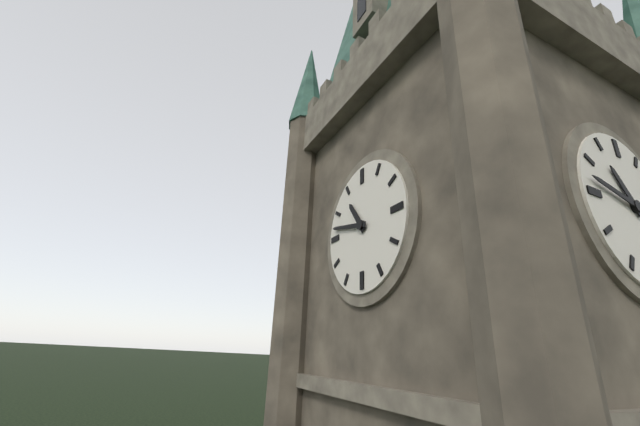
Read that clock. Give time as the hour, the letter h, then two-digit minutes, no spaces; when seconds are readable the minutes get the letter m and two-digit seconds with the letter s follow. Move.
10h47
